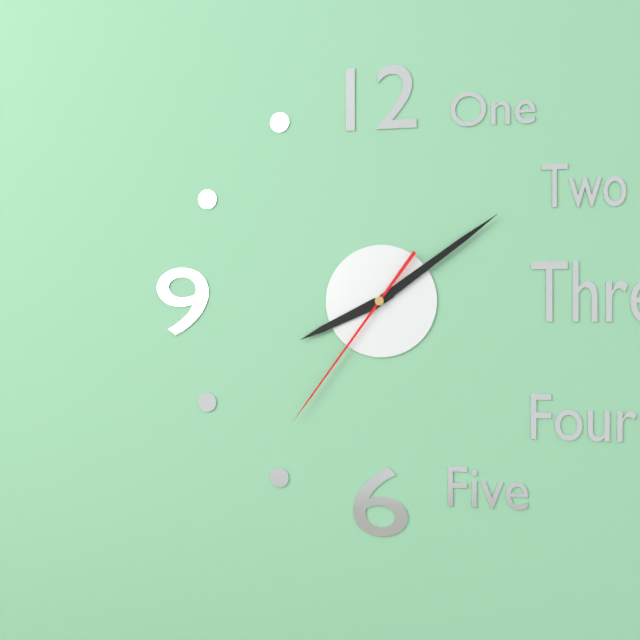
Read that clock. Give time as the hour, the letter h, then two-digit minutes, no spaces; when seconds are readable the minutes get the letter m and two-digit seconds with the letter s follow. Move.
8h09m36s
